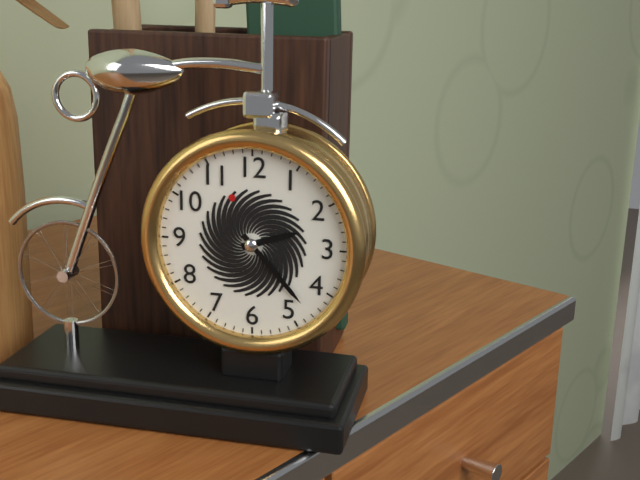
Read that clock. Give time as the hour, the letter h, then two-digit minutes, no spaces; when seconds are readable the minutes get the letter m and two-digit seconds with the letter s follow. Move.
2h23
